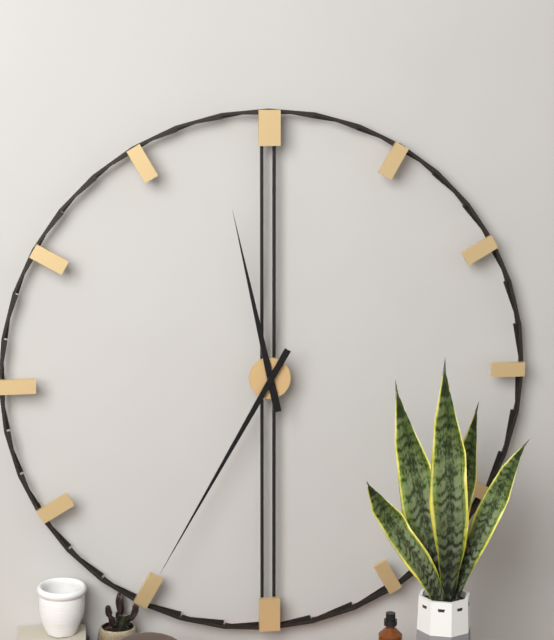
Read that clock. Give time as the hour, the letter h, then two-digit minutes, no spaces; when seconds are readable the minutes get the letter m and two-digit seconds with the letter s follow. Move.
11h35
